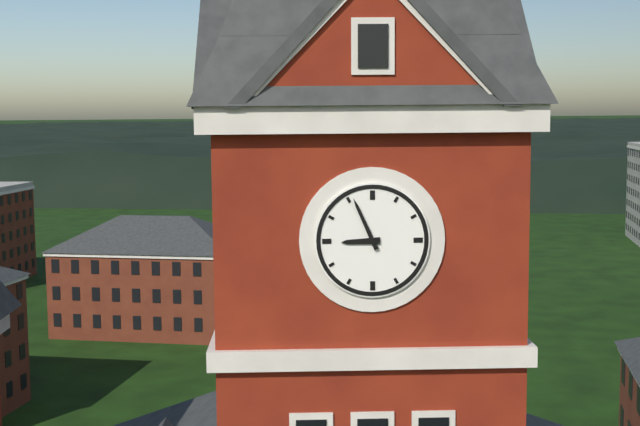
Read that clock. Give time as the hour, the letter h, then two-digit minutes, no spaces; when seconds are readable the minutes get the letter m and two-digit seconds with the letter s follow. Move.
8h56
